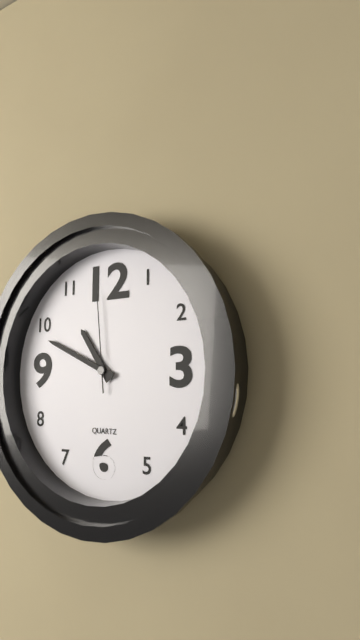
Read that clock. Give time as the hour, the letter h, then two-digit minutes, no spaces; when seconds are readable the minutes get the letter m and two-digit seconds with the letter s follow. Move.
10h49m59s
